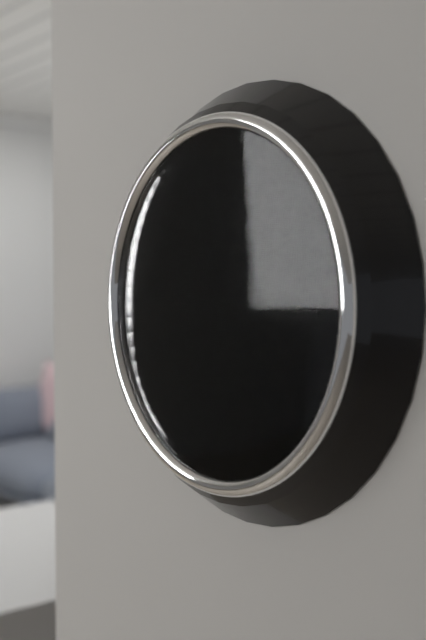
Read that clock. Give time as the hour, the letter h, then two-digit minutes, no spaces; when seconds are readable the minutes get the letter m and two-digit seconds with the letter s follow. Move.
8h11
